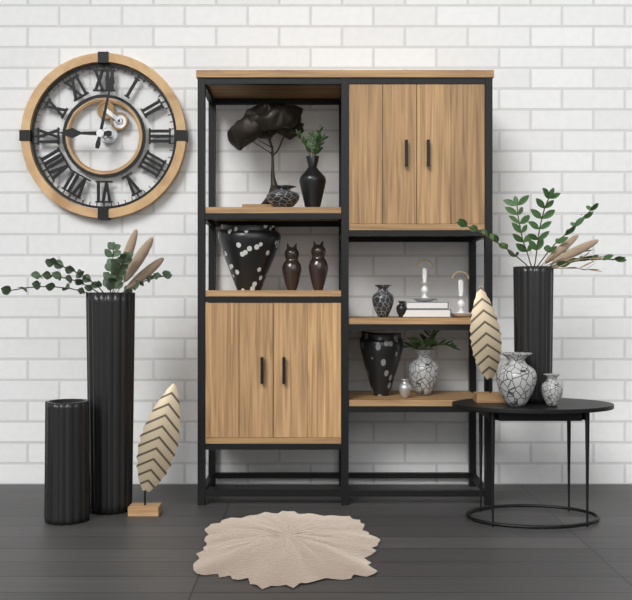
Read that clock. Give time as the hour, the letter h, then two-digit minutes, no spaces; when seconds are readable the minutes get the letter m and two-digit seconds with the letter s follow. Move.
9h02
